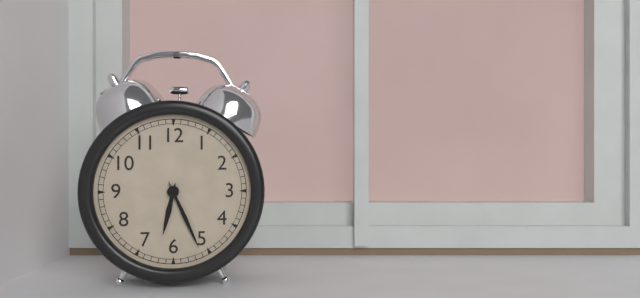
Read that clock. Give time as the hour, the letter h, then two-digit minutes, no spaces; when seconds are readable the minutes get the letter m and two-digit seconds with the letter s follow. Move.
6h26
